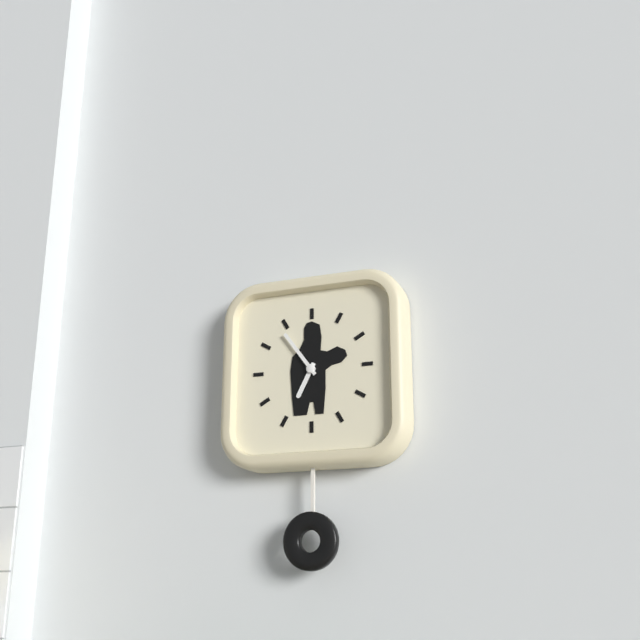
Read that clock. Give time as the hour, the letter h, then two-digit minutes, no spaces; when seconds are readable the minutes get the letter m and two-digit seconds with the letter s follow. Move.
6h54
